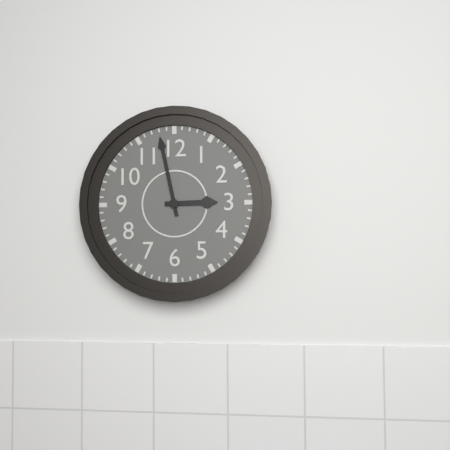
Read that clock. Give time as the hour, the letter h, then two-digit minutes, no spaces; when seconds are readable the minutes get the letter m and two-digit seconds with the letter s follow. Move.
2h58
